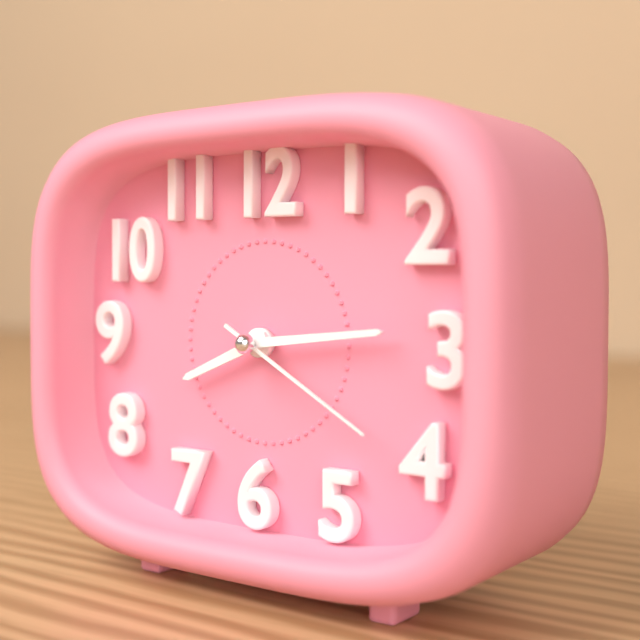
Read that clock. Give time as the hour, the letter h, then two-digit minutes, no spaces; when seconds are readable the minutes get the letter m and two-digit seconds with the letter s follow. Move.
8h14m20s
